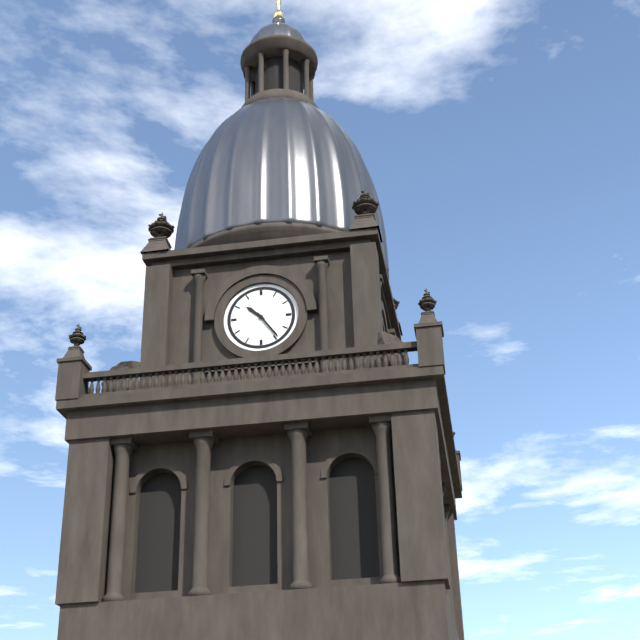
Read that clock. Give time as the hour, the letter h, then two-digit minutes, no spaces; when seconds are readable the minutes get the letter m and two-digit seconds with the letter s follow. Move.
10h24
